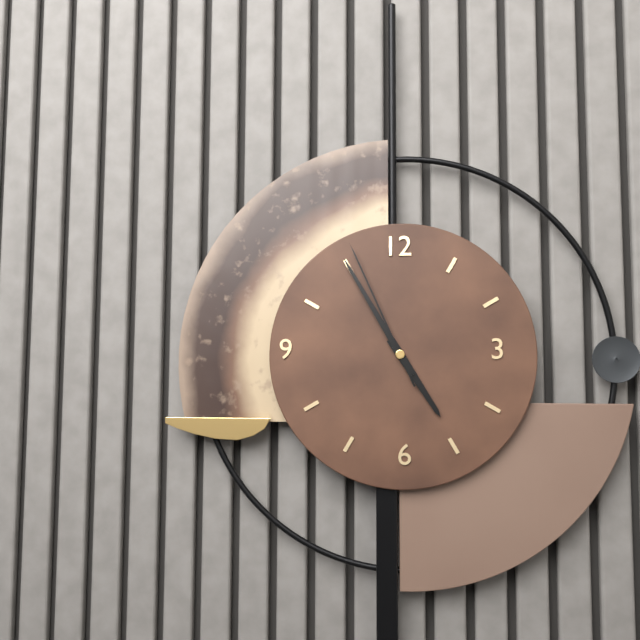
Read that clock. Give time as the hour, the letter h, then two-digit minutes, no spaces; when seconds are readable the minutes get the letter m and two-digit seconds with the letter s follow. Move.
4h55m56s
